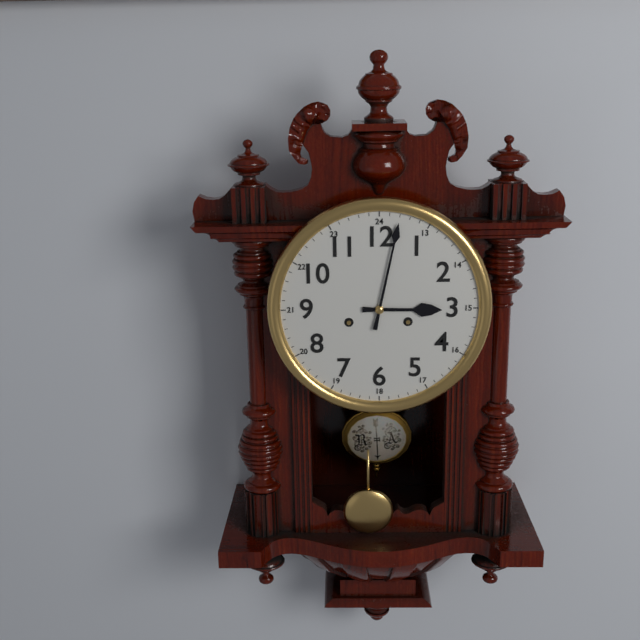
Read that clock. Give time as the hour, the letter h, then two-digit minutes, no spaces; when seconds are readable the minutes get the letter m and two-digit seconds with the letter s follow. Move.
3h02
